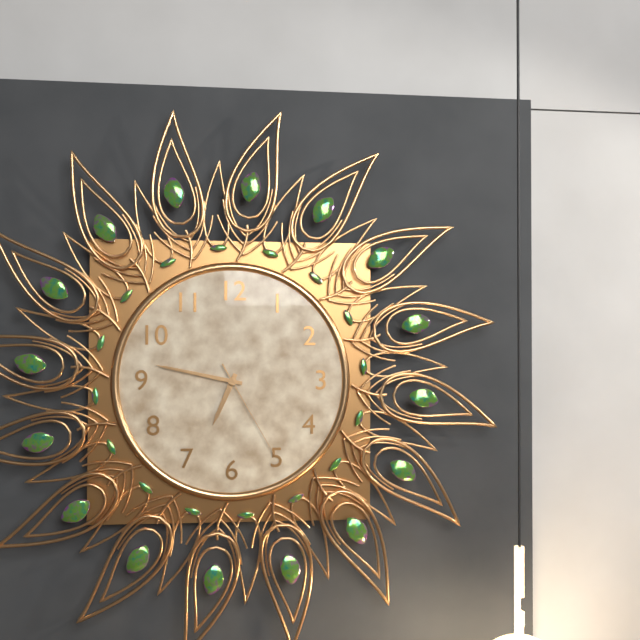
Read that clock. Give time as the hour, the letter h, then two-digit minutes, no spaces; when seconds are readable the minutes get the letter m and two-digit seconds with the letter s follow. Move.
6h47m25s
